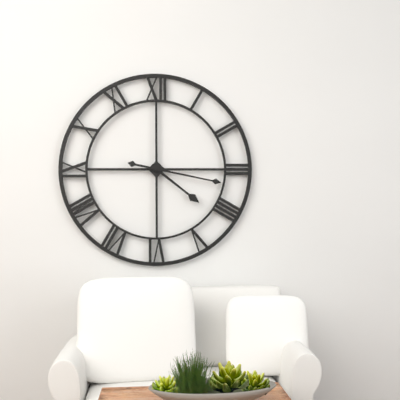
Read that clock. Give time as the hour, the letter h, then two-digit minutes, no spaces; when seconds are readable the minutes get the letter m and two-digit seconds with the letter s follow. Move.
4h17
